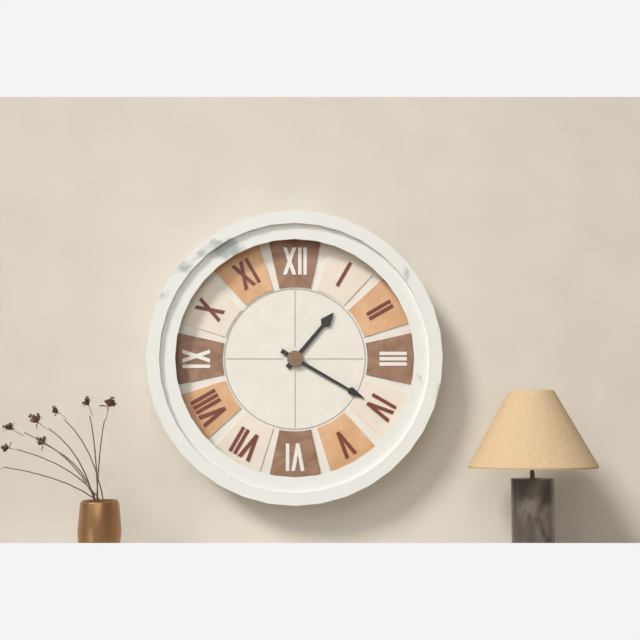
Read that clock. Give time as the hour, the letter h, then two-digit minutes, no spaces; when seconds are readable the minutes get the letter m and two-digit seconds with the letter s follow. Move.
1h20
